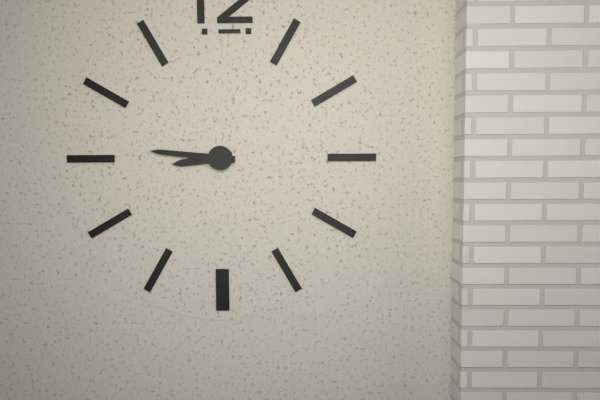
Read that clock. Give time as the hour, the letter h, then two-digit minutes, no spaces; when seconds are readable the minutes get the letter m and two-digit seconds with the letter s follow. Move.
8h46
